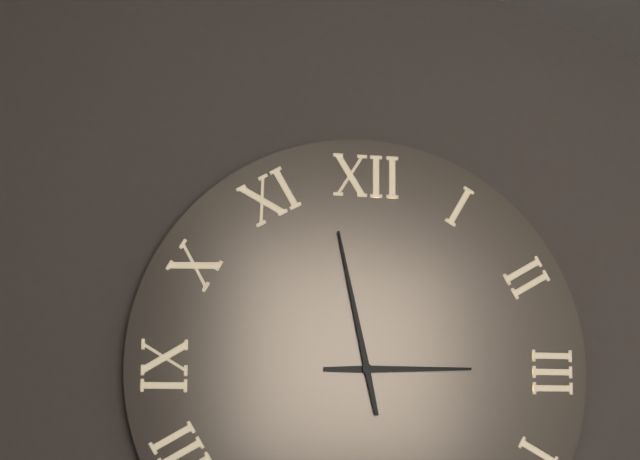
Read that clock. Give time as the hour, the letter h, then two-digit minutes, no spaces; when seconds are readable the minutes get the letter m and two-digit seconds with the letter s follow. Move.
2h58
